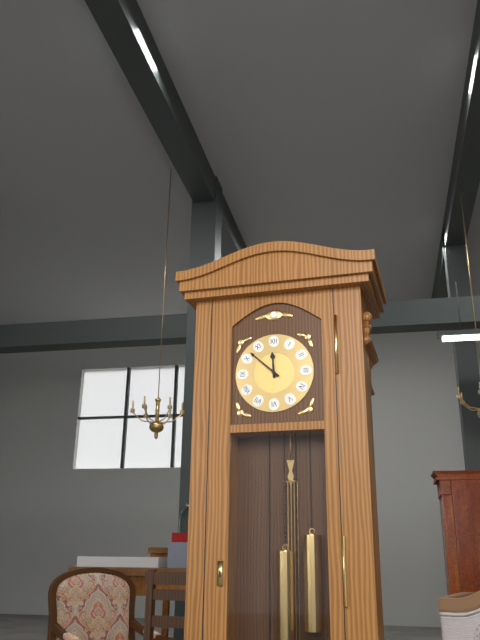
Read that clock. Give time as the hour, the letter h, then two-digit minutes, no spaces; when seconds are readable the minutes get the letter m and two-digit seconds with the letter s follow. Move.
11h52
